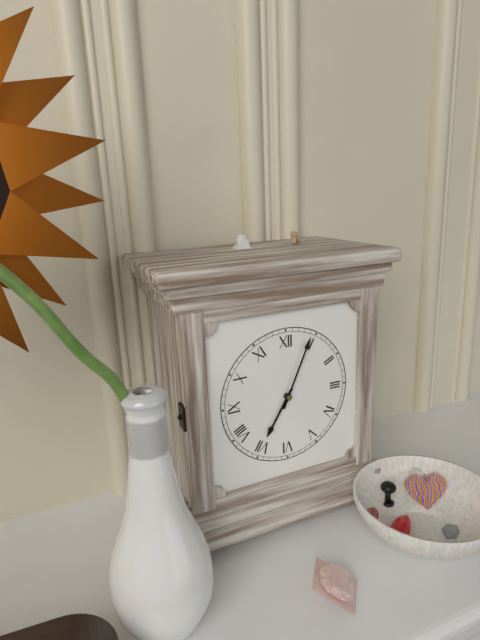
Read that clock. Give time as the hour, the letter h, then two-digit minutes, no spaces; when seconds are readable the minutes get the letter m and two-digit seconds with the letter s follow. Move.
7h04
